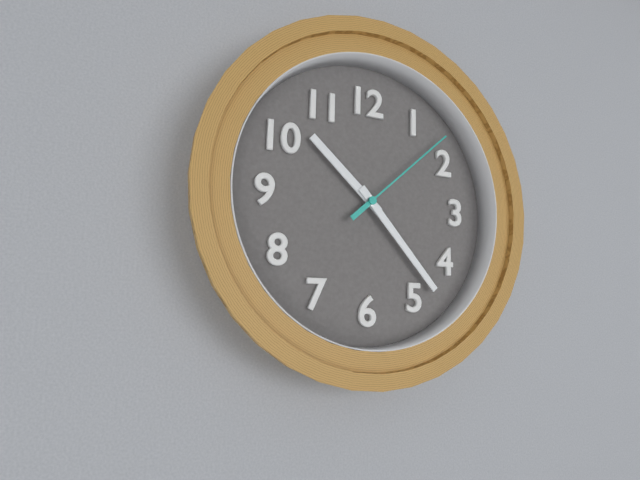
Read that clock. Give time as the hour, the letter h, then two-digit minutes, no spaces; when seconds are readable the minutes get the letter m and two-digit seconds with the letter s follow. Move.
10h23m08s
